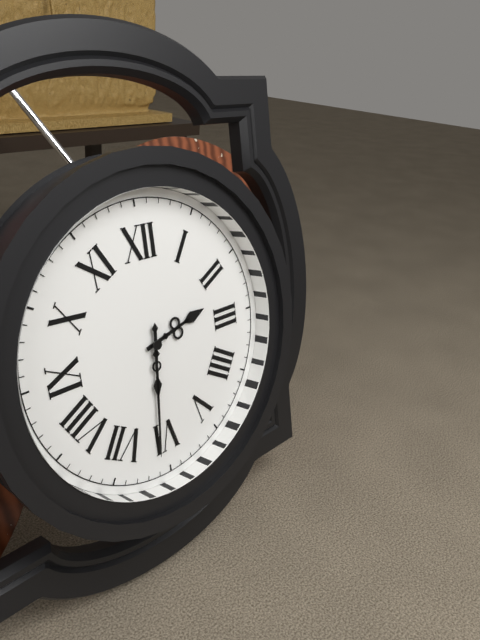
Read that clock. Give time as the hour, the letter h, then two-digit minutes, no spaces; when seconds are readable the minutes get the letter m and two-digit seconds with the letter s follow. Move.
2h31
